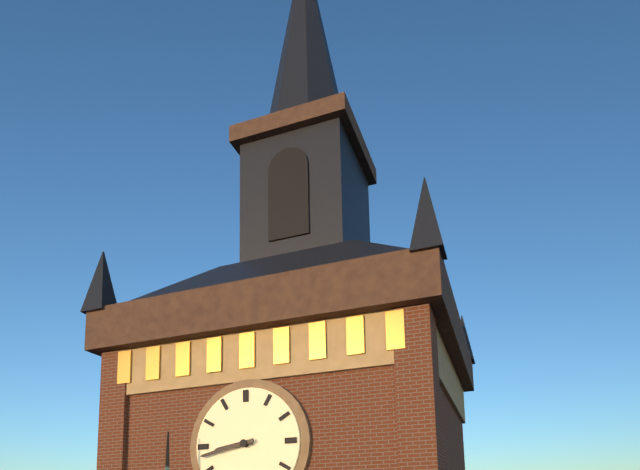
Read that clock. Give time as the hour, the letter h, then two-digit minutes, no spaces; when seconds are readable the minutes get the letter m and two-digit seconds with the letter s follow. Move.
8h43
